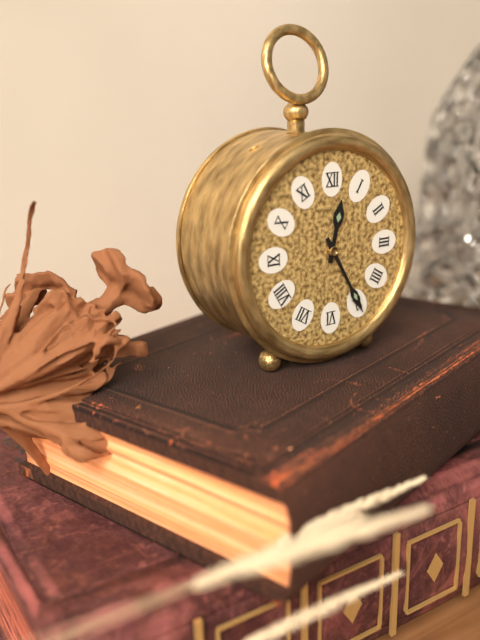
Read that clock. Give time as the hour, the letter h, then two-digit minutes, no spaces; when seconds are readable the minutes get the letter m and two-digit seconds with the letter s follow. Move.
12h25
